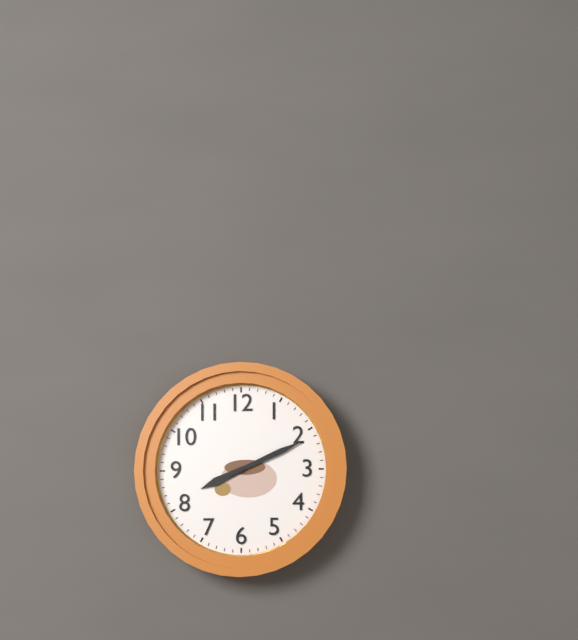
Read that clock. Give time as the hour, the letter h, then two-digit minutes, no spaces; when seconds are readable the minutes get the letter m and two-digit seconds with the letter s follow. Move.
8h11
